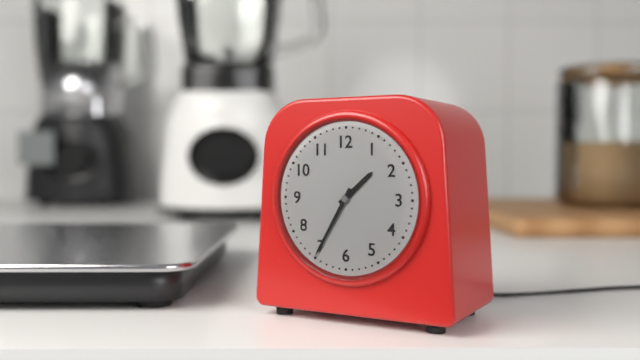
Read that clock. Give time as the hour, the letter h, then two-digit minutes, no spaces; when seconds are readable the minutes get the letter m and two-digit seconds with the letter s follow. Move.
1h35
